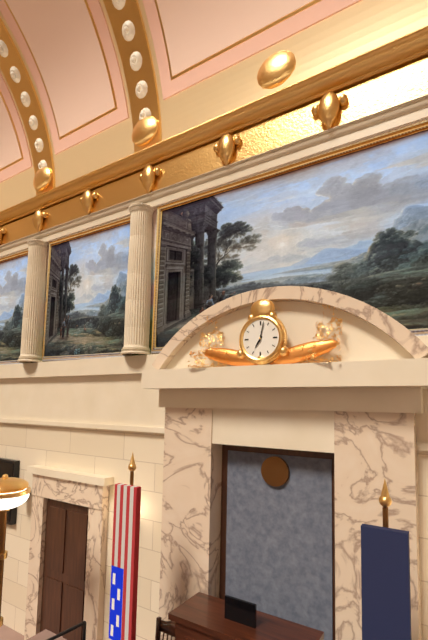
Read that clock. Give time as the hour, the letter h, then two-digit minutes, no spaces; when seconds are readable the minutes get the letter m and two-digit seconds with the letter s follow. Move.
7h02
